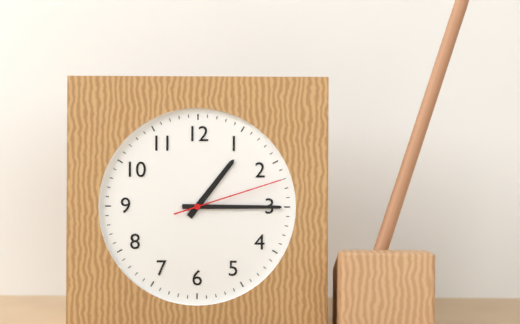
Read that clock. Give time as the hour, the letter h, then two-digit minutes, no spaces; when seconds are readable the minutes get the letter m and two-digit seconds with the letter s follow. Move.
1h15m12s
